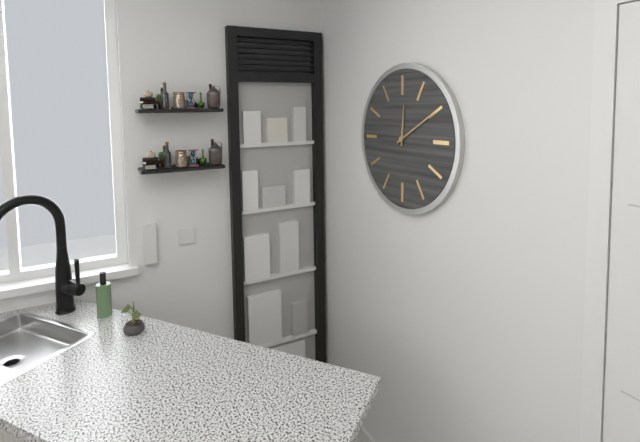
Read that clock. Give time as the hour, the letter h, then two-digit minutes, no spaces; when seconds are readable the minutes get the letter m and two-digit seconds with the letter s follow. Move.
12h10
